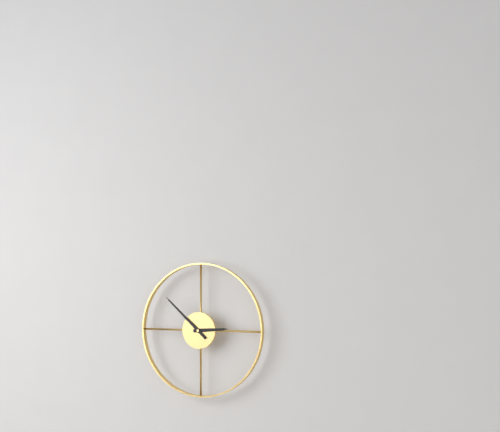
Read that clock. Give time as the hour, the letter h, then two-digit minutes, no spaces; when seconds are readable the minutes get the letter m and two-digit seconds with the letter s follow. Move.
2h52
